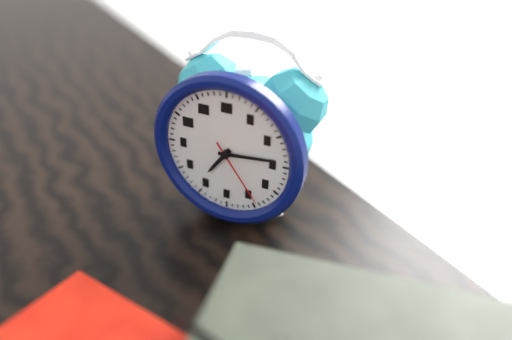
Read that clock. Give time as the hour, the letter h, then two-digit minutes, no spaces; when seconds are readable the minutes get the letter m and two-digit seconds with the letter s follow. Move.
7h14m24s
